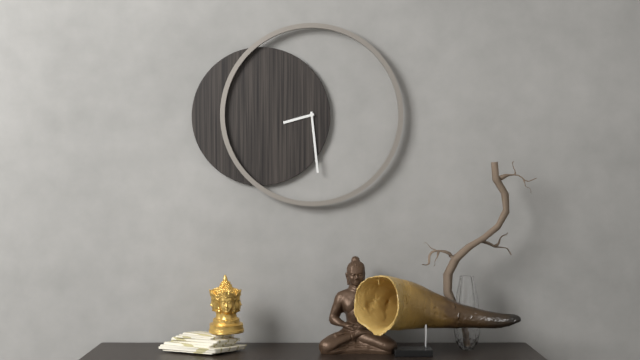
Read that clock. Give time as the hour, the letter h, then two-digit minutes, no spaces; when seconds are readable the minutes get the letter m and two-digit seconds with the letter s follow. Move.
8h29
